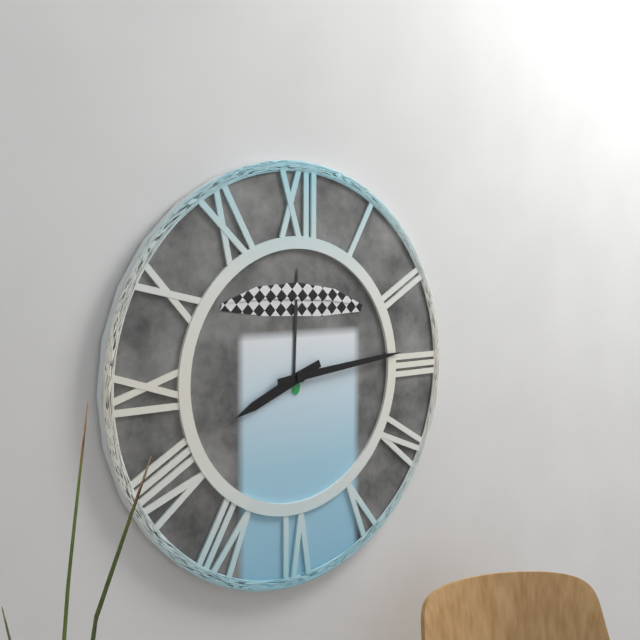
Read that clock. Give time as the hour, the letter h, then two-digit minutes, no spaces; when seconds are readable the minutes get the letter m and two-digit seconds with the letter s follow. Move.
8h14
